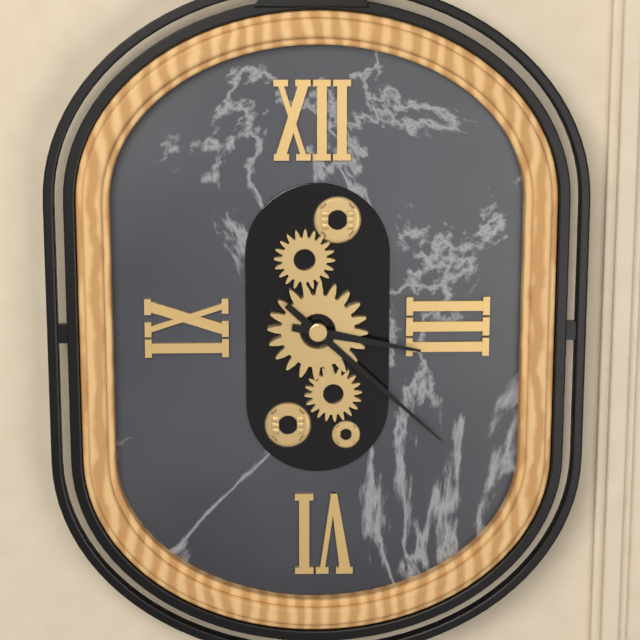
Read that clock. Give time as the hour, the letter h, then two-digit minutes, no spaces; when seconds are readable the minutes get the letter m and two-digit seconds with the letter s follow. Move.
3h22
